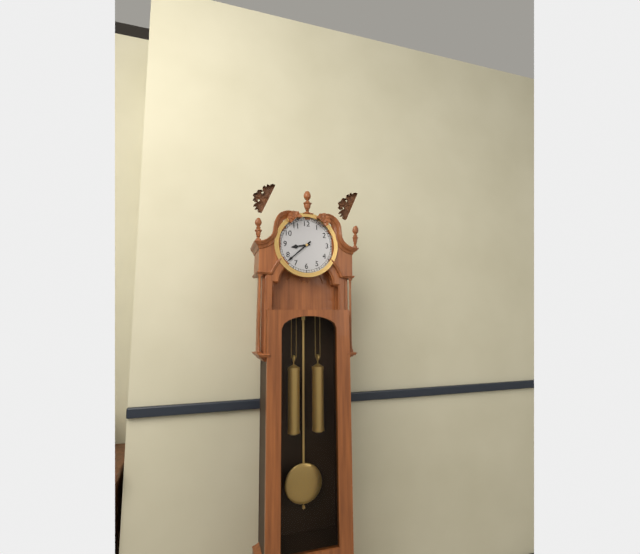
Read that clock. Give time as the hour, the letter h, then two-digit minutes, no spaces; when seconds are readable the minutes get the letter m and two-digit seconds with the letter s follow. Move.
8h38
